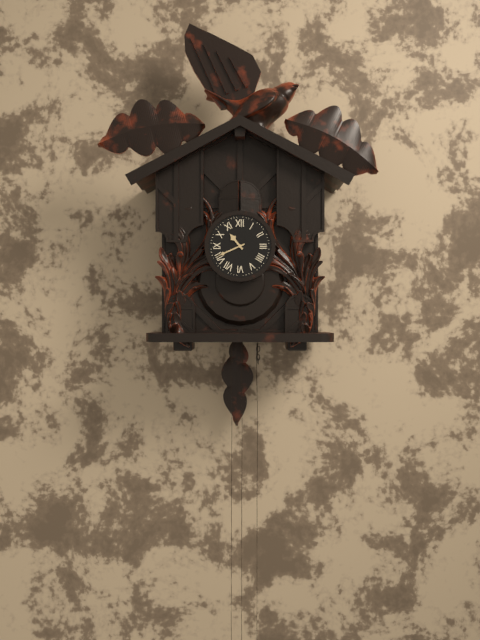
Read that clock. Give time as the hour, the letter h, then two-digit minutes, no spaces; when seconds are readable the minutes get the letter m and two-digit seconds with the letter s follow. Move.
10h41
